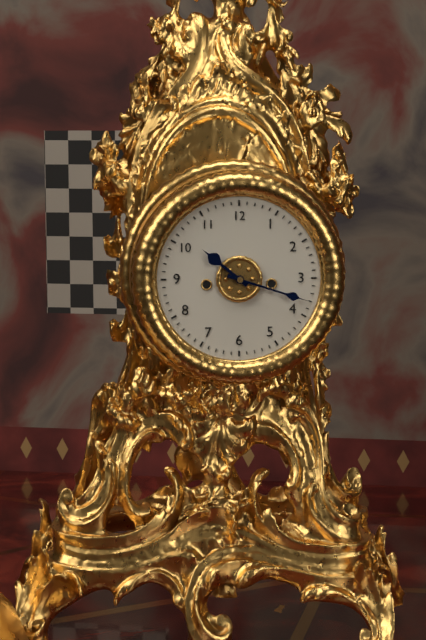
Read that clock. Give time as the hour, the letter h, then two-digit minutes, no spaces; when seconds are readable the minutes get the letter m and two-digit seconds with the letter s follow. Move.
10h18
